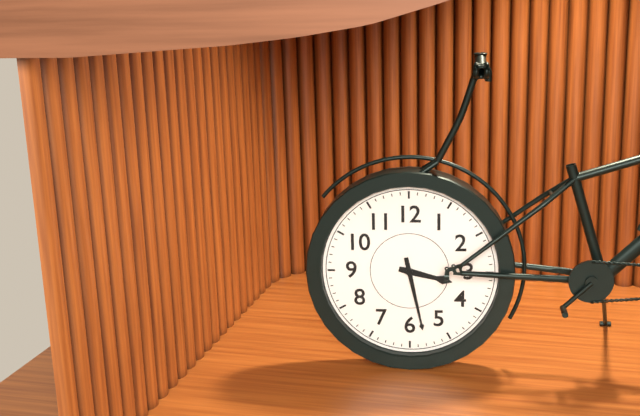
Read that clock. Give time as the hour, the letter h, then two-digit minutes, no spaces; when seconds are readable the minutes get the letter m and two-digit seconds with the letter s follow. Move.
3h28
